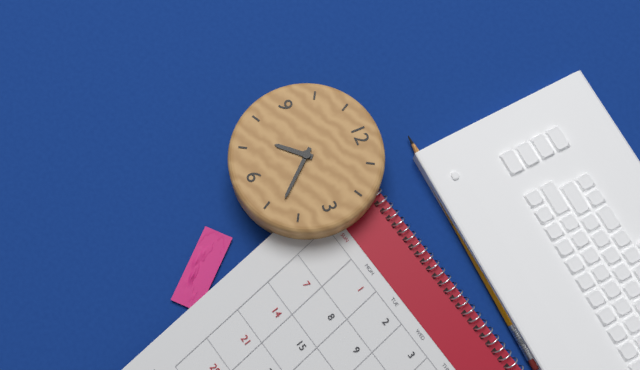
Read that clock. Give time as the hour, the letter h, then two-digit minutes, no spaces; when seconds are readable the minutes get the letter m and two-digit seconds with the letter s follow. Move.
7h23
